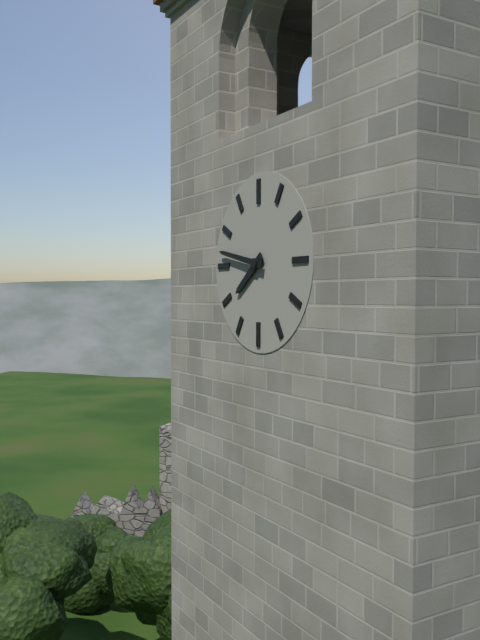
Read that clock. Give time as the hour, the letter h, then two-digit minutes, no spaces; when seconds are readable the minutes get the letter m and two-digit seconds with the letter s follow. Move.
7h47
